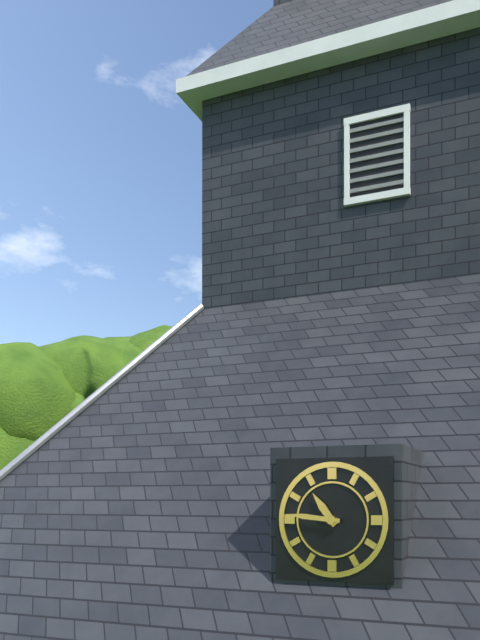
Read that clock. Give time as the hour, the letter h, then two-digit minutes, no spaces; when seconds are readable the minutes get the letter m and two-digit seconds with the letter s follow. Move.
10h46
